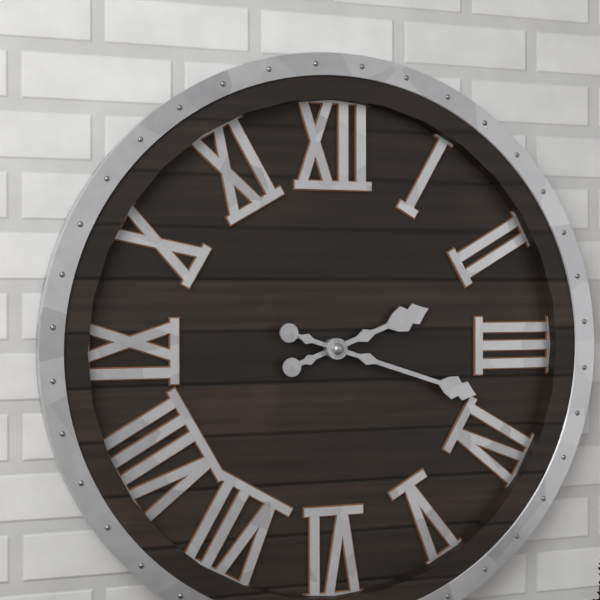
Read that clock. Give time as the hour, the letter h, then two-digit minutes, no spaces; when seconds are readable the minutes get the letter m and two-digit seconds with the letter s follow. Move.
2h18
